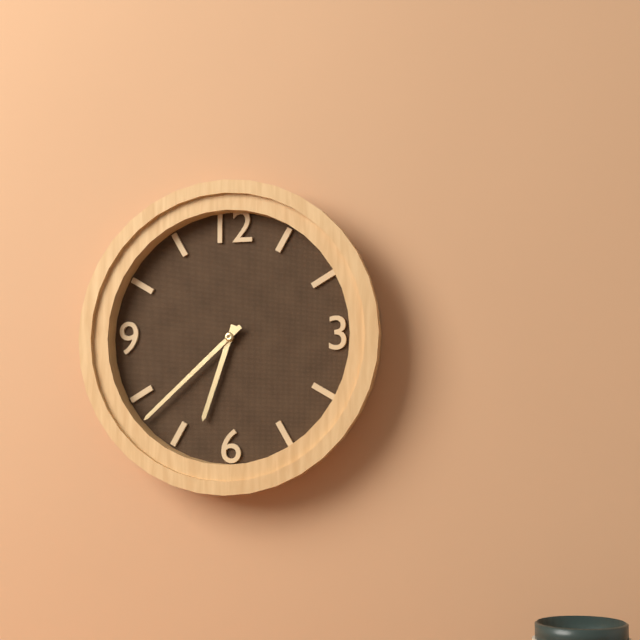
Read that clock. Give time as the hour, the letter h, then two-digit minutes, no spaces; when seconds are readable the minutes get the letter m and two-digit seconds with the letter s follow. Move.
6h38
